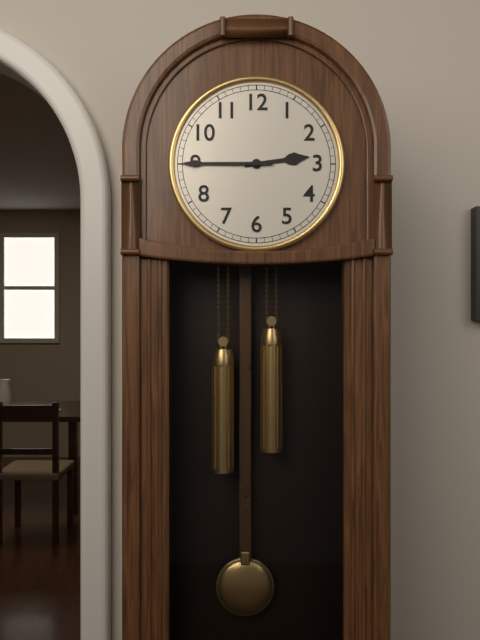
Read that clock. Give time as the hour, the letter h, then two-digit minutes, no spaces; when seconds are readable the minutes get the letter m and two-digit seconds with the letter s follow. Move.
2h45
